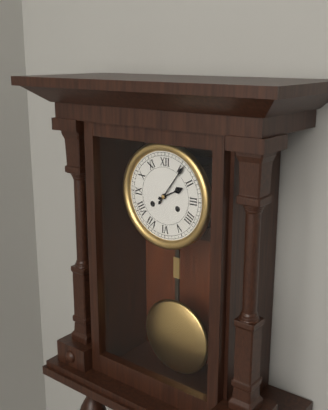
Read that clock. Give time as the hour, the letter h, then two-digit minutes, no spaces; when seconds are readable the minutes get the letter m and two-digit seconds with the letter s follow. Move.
2h06
